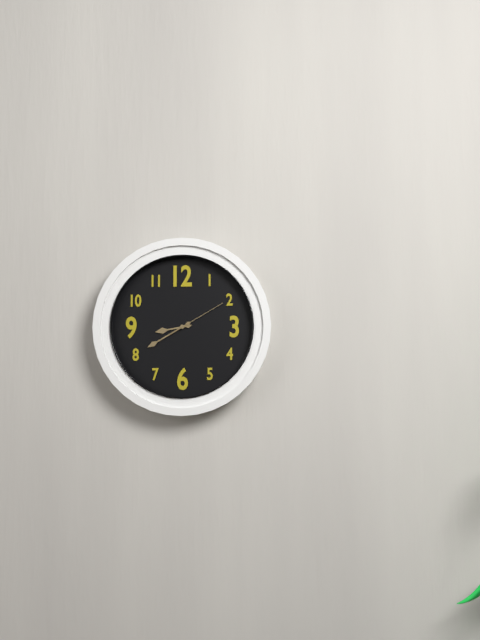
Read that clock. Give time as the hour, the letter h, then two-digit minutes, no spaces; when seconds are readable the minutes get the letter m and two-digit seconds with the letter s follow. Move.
8h40m10s
